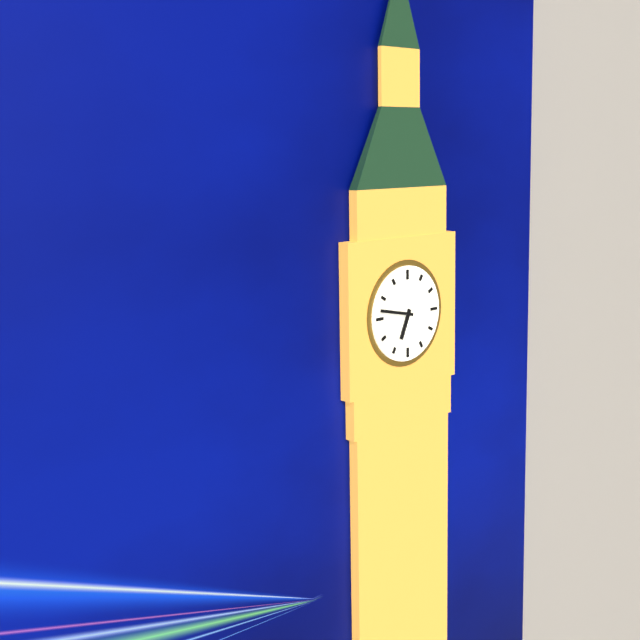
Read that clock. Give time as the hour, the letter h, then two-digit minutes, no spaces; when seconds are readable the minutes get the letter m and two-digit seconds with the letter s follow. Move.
6h47
